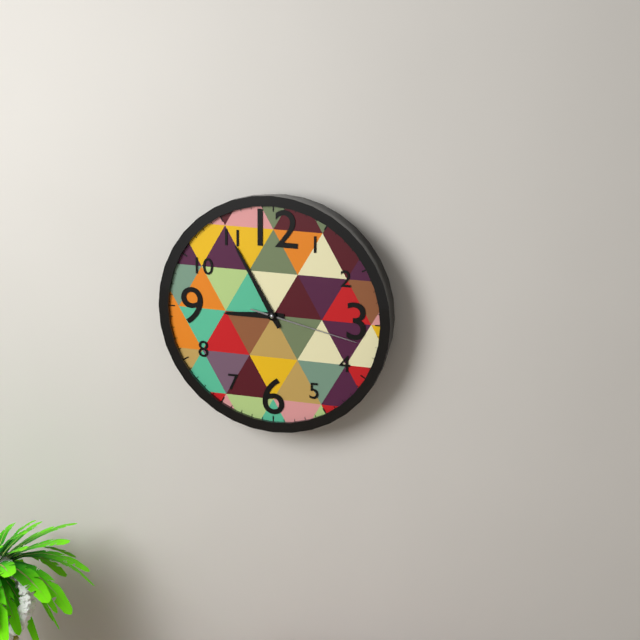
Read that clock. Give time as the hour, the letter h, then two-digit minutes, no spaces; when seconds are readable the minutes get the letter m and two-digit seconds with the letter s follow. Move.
8h55m17s
